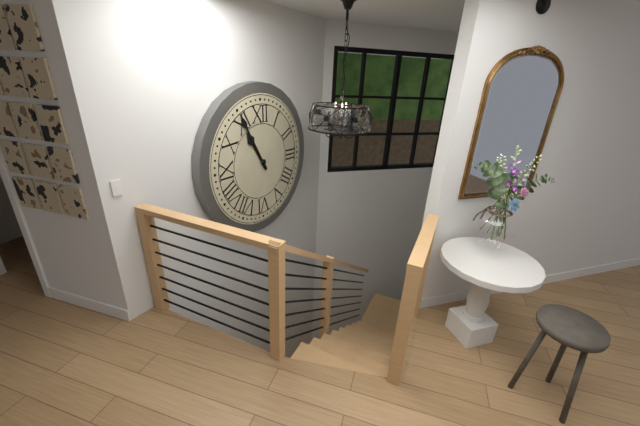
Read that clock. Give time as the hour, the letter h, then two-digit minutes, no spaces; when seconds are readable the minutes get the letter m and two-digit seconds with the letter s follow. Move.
10h55
